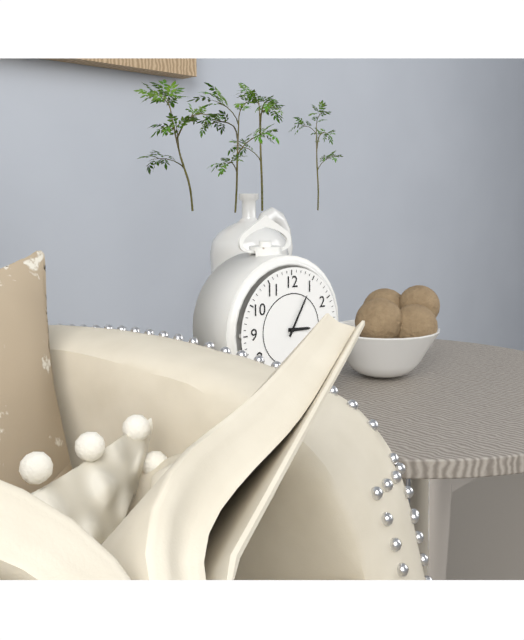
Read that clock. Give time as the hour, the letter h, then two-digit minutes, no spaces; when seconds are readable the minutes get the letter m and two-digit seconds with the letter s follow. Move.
3h05
